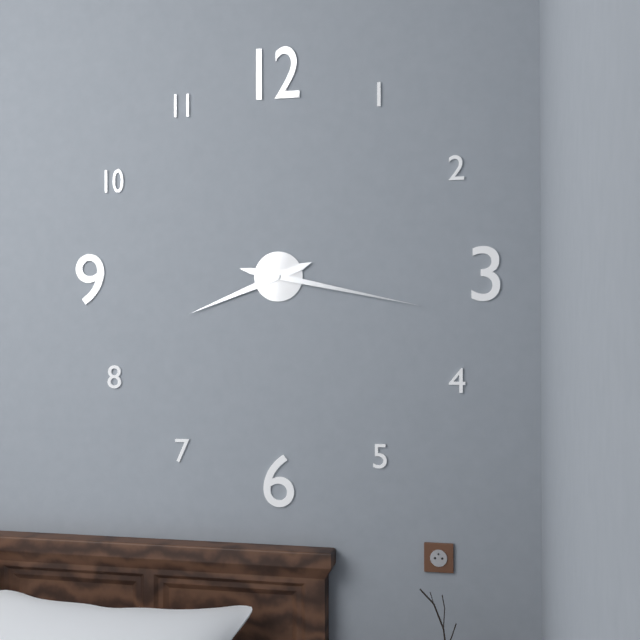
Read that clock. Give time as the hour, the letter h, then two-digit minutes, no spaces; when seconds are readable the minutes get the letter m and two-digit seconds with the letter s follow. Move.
8h17
